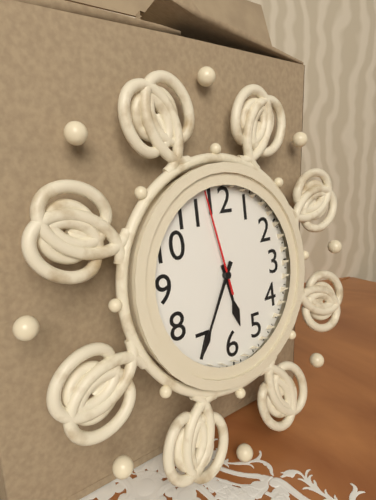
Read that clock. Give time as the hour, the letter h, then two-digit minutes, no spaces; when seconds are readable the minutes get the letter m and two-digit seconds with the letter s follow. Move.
5h35m58s
